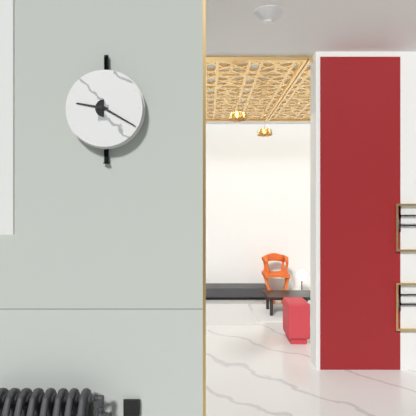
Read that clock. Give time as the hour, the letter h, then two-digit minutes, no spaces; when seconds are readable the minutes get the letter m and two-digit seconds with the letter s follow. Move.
9h20
